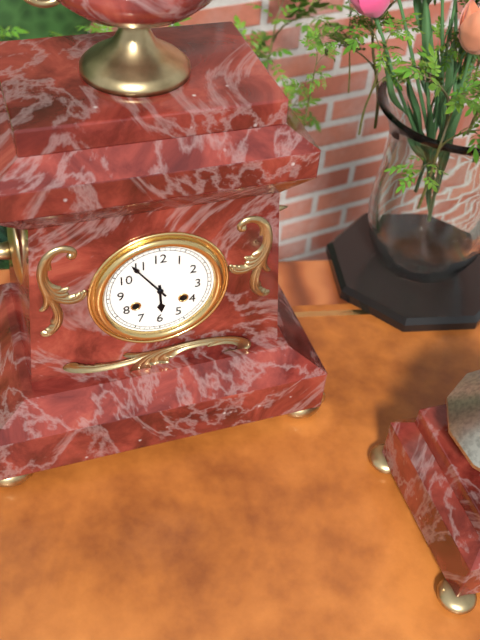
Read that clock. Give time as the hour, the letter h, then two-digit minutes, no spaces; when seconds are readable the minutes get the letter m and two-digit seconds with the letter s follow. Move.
5h54
